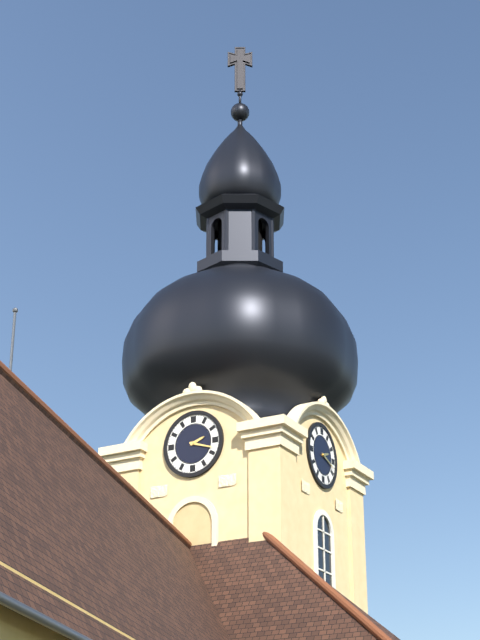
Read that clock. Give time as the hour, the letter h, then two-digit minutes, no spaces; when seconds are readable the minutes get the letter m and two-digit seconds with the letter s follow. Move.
2h18
